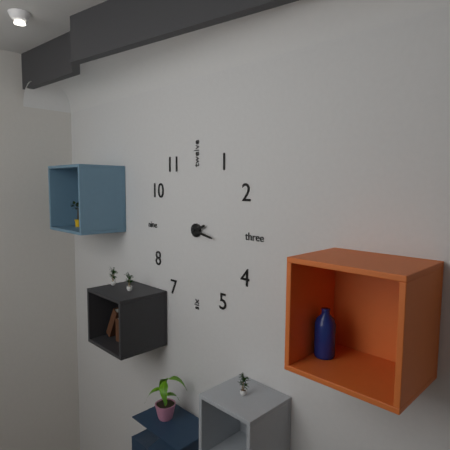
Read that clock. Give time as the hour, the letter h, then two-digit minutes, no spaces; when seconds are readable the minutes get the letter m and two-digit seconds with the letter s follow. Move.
2h17
